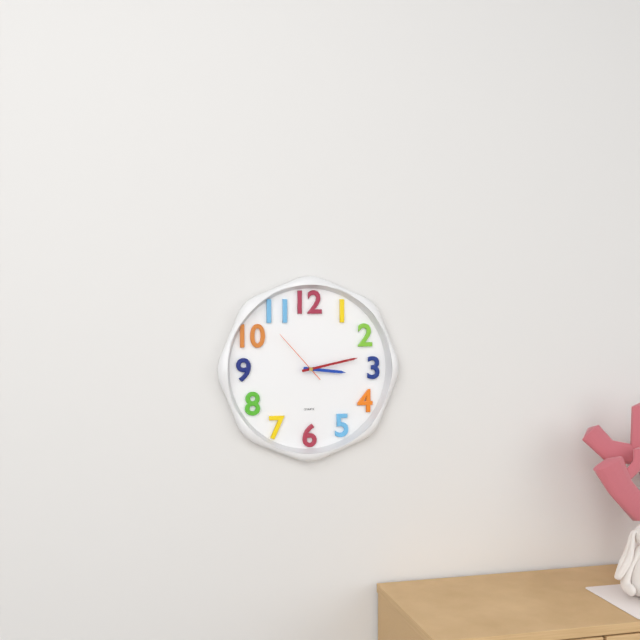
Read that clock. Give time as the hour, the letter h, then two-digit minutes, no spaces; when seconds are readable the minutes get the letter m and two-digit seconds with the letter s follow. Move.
3h13m53s
